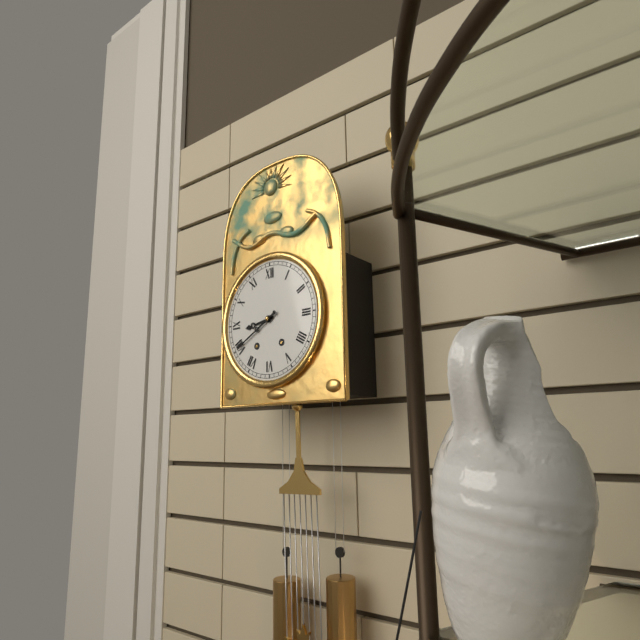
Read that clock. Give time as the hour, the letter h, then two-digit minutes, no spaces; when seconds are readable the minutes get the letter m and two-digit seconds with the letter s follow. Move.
8h40
